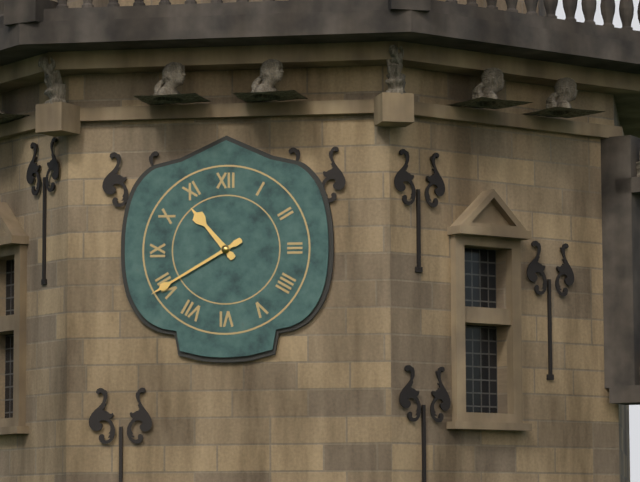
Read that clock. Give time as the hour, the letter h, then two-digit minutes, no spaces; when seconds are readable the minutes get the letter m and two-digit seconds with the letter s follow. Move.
10h40
